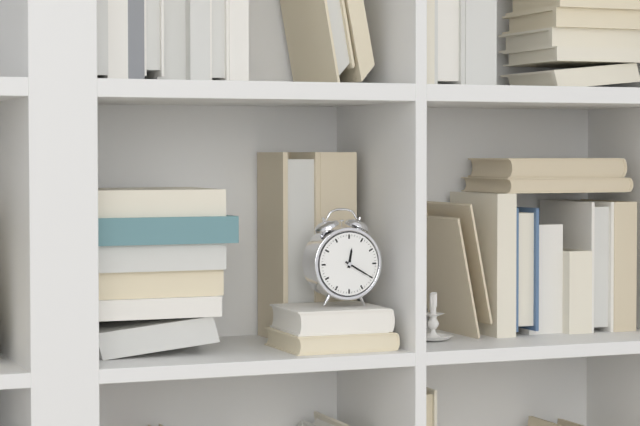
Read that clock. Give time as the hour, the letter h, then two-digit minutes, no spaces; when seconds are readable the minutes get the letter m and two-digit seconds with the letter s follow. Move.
12h20
